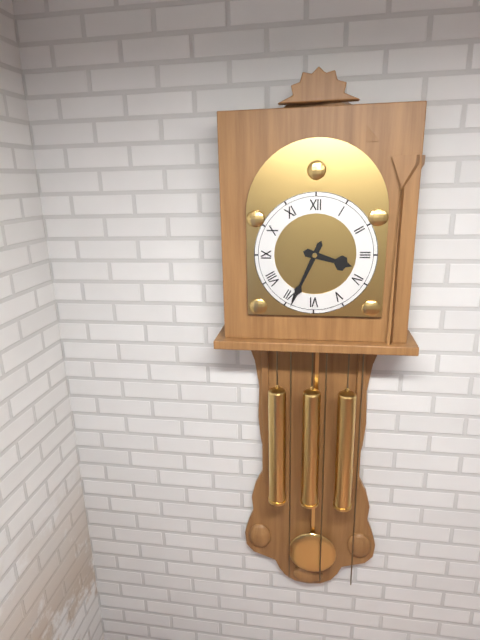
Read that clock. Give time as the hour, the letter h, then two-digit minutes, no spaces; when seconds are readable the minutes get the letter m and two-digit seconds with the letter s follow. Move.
3h34
